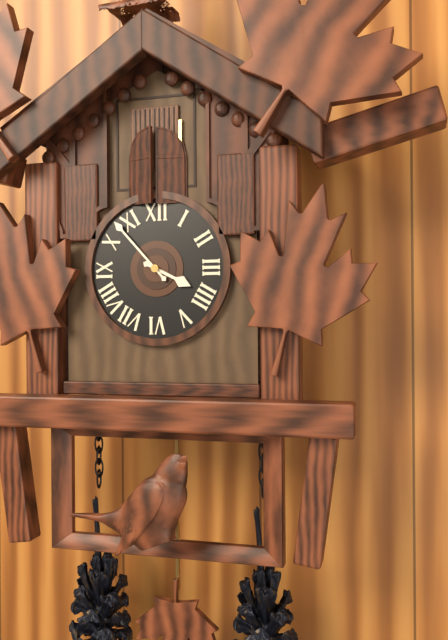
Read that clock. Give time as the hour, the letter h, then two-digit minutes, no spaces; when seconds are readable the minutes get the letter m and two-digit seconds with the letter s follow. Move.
3h53
